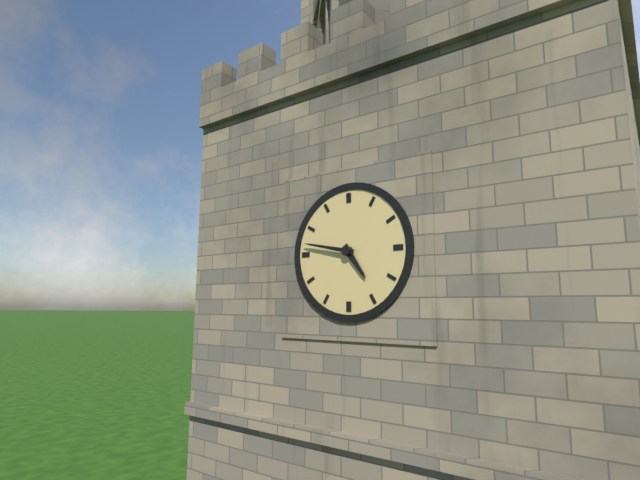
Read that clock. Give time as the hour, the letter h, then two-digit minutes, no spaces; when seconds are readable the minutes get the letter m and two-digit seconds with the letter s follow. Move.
4h47
